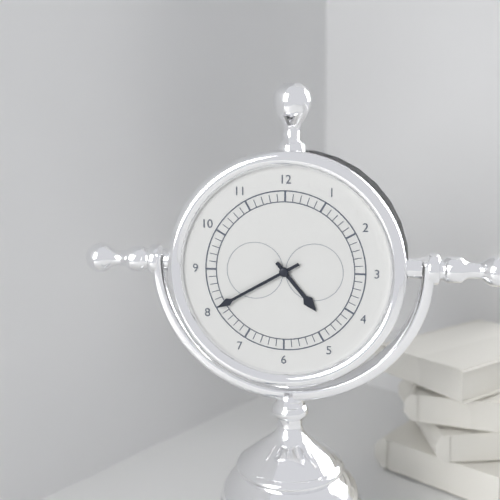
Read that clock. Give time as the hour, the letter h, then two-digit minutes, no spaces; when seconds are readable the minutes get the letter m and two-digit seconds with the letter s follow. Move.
4h40
